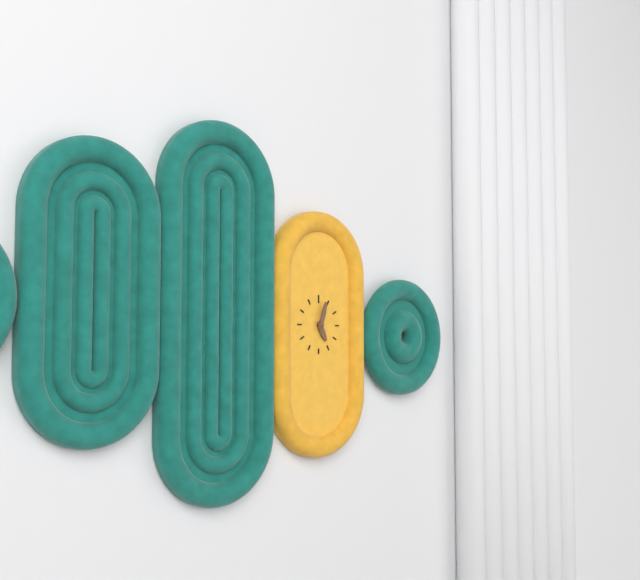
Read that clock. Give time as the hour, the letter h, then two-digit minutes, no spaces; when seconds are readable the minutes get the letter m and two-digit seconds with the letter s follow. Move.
5h03
